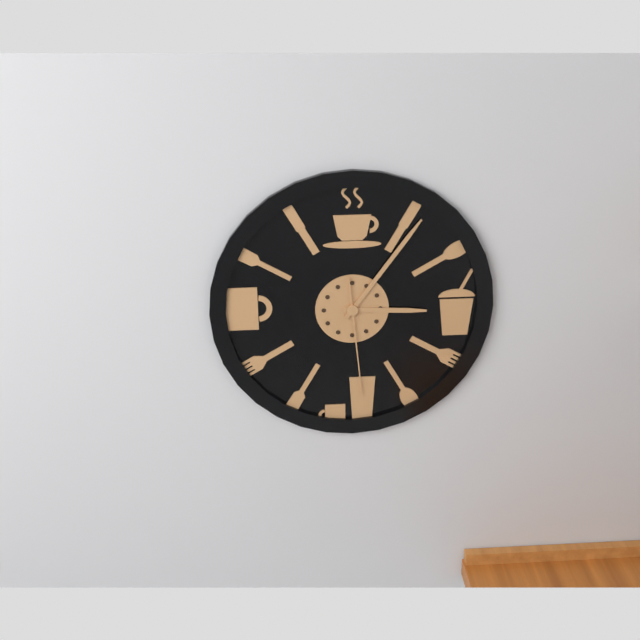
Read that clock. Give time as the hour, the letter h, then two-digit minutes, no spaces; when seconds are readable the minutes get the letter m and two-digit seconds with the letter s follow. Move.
3h06m29s
